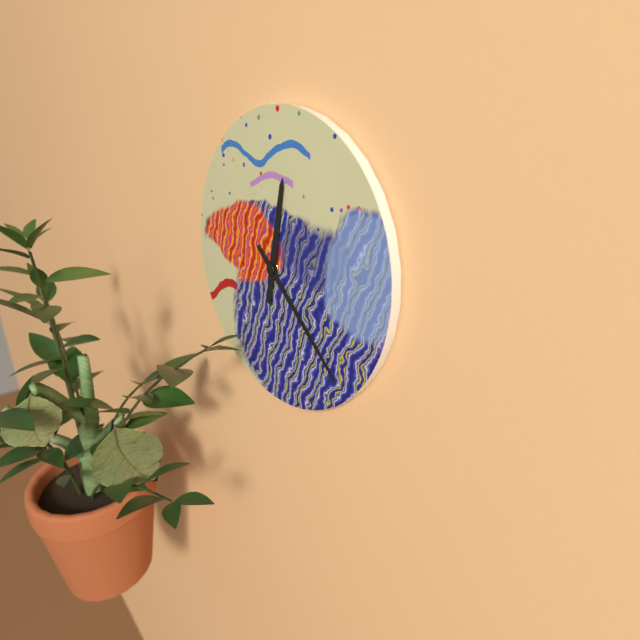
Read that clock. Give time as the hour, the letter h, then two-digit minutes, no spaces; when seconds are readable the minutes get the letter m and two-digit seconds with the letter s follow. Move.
12h22
